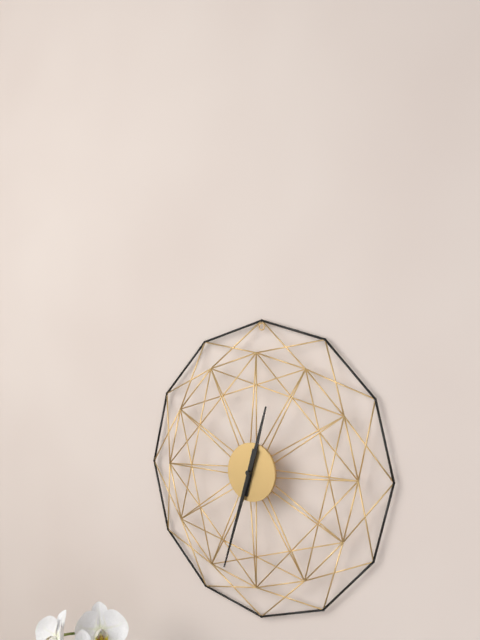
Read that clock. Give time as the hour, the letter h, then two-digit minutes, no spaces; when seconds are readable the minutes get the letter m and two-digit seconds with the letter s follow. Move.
12h33
